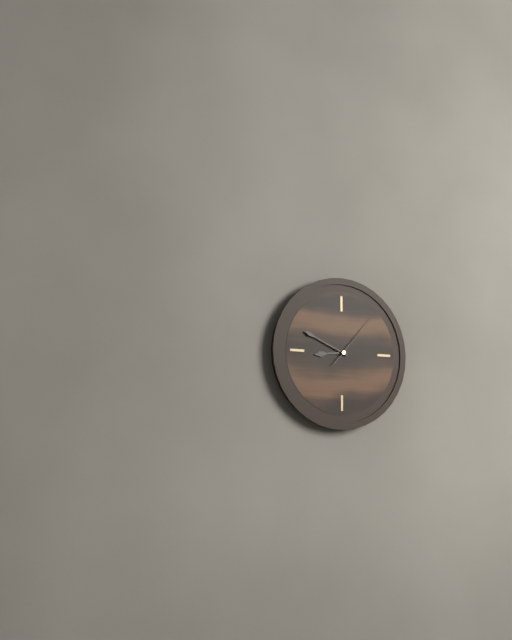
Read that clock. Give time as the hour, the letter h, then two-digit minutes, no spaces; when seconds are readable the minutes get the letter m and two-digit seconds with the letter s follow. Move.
8h49m07s
